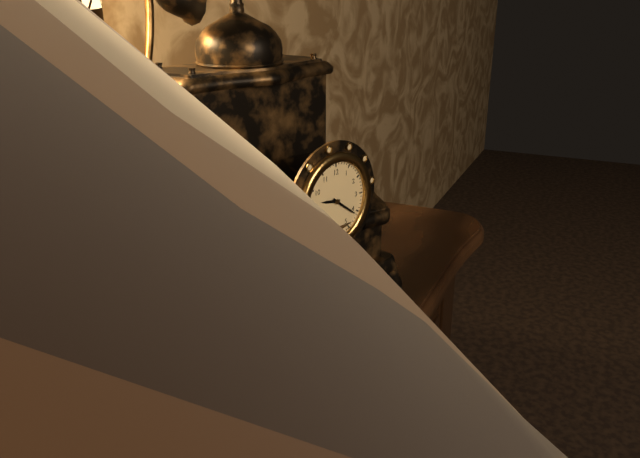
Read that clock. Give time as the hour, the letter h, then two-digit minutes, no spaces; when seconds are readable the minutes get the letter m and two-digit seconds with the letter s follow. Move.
9h21
